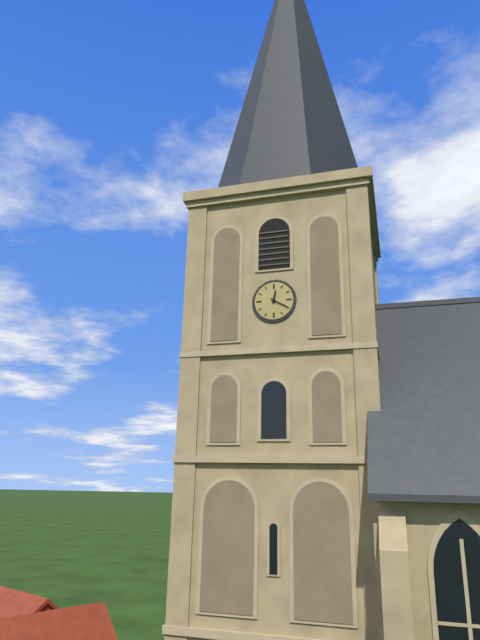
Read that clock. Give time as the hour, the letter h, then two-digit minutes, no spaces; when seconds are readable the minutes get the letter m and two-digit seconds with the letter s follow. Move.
12h20
